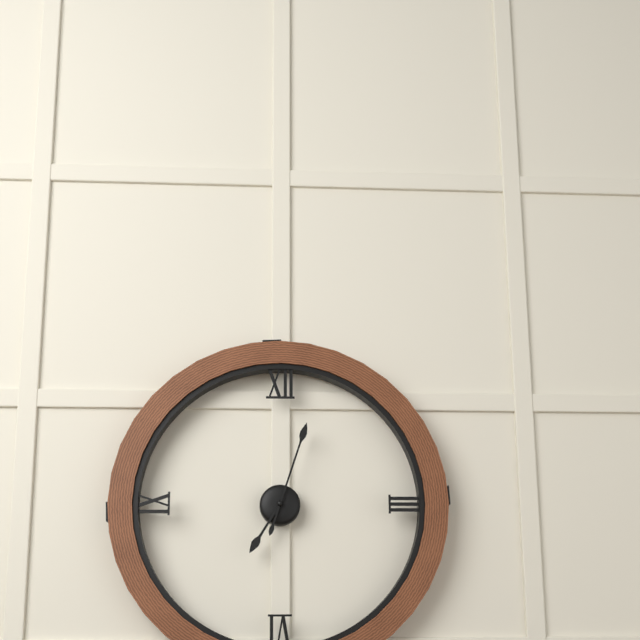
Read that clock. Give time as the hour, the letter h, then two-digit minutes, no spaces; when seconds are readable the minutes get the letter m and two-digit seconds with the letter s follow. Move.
7h03
